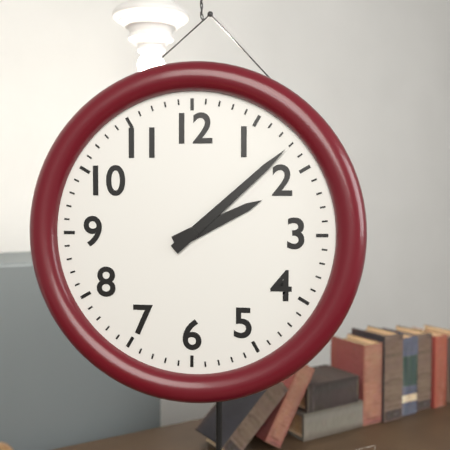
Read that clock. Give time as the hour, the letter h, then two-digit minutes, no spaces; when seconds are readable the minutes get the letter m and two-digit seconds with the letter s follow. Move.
2h08
